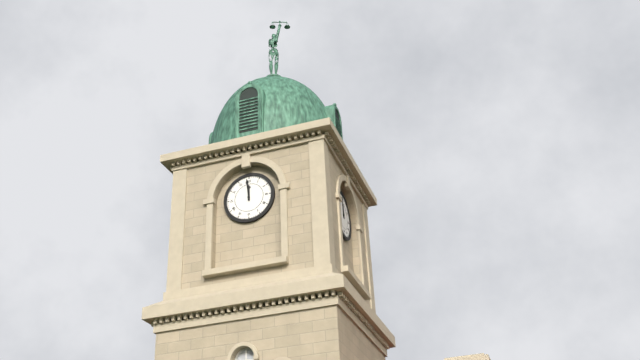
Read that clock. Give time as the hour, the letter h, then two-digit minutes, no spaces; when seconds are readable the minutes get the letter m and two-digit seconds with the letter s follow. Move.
11h59
